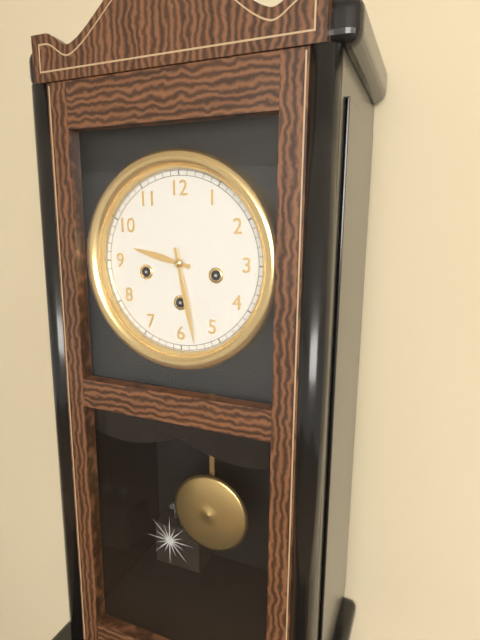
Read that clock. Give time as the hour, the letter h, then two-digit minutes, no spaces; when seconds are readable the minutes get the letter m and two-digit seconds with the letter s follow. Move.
9h28
